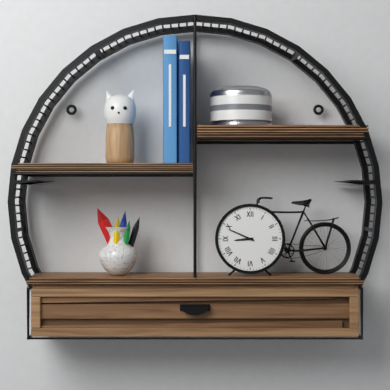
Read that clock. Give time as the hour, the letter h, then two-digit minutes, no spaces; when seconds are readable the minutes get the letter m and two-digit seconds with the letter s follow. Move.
8h49
